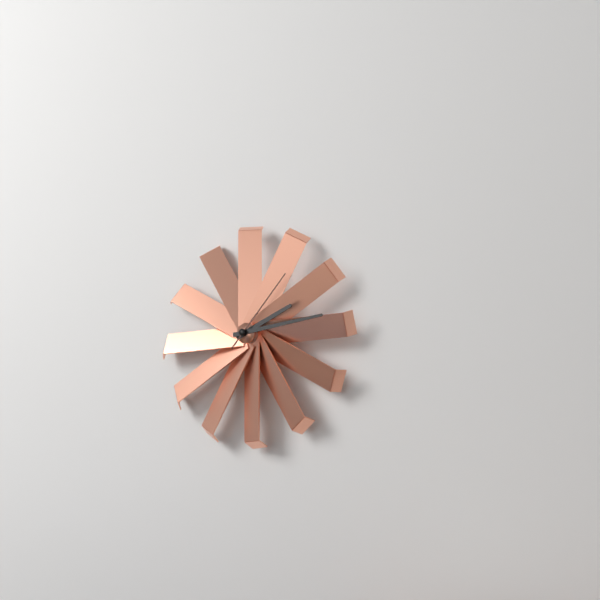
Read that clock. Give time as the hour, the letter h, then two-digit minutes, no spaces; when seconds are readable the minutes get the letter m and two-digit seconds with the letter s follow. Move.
2h14m07s
